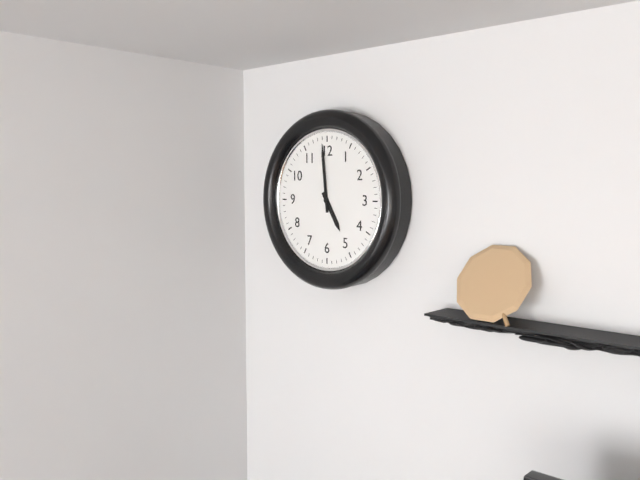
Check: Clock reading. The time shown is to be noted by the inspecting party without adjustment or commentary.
4:59
